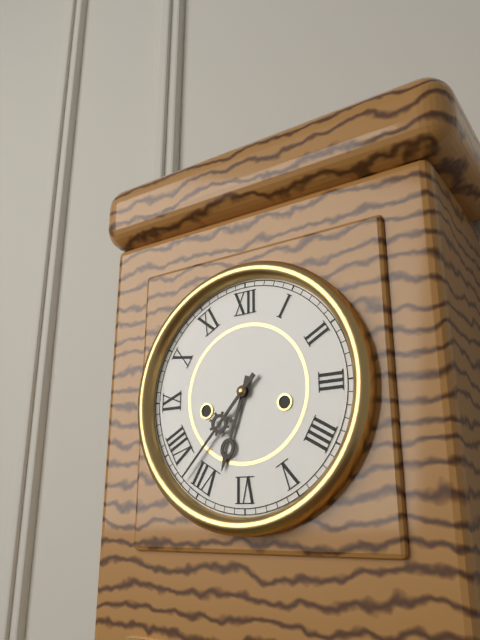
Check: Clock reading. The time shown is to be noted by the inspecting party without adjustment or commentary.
6:37
